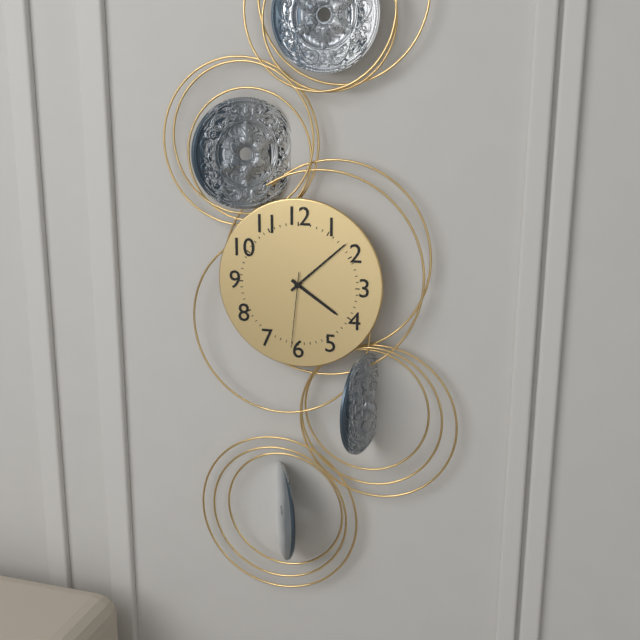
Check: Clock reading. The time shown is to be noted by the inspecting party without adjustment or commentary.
4:08:31
